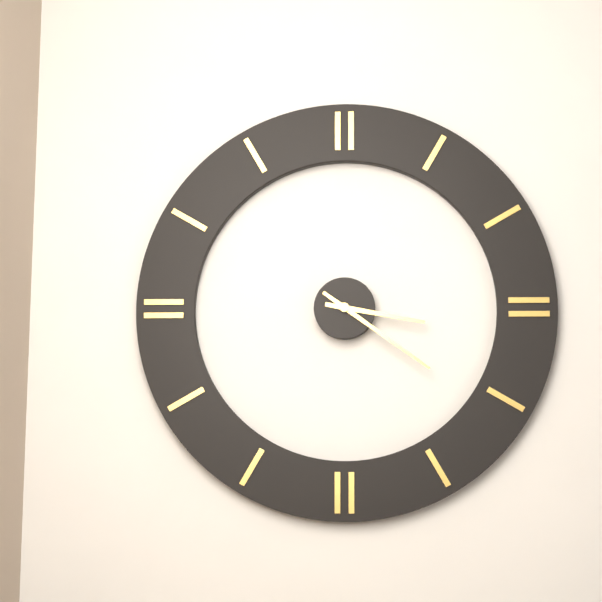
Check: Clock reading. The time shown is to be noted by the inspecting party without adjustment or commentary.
3:21
